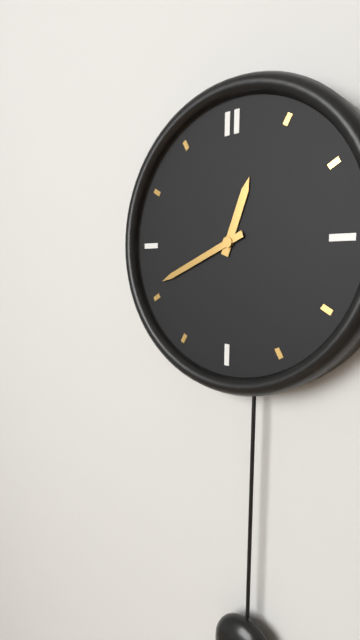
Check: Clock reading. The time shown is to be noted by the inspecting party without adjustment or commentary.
12:41
